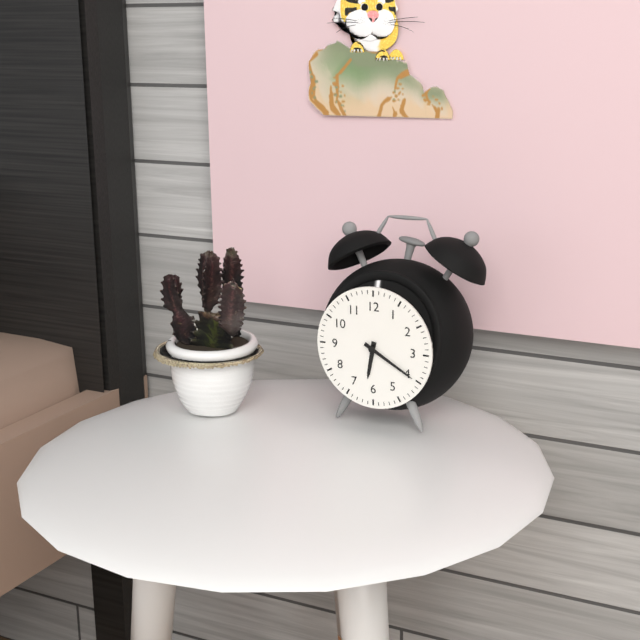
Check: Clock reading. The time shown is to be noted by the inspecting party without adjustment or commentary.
6:20
